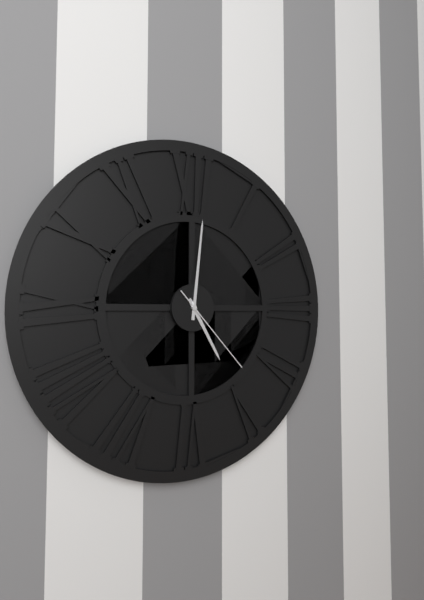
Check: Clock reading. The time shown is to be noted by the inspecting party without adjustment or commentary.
5:01:23
